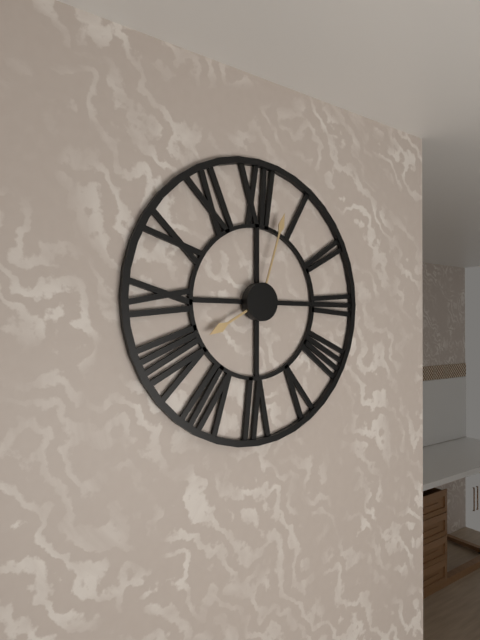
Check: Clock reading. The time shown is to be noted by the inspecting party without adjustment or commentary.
8:03
